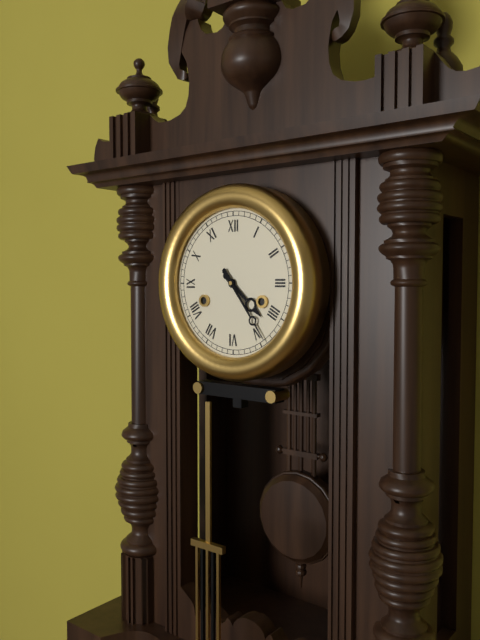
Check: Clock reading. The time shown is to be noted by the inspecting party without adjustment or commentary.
4:24
